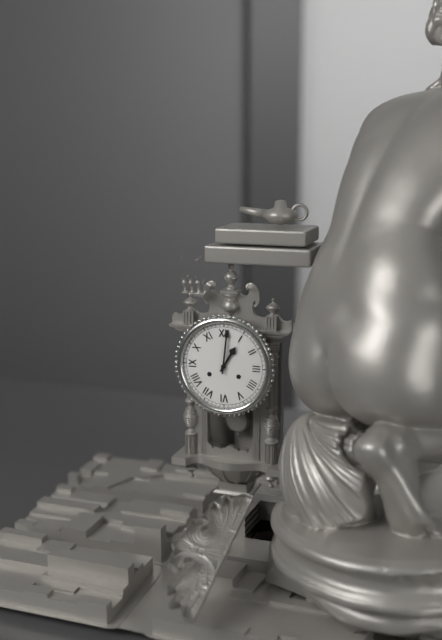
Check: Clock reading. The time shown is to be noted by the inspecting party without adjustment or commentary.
1:01
